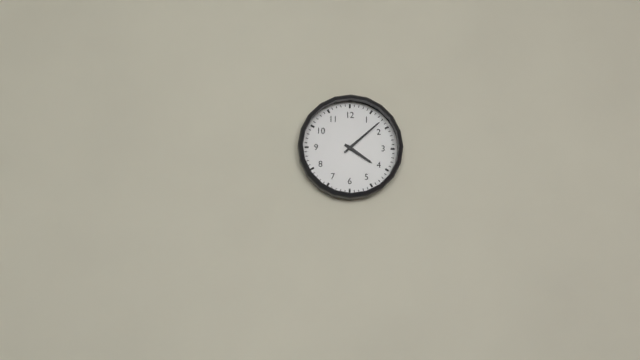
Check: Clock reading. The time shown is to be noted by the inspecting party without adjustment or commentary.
4:08
